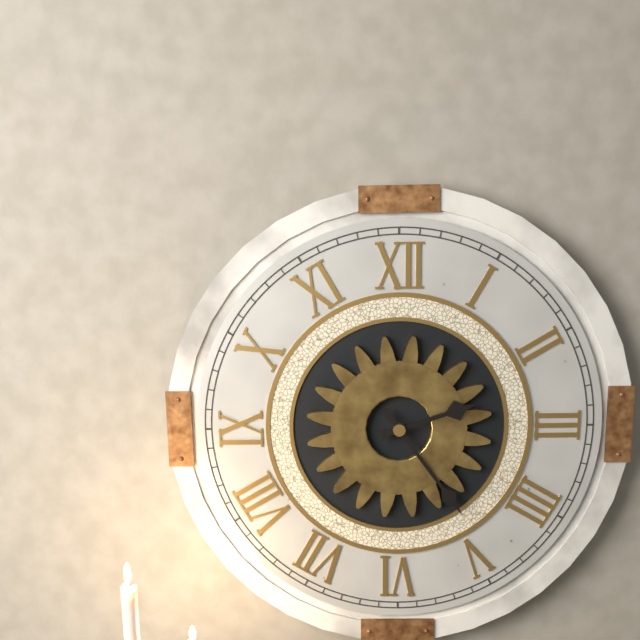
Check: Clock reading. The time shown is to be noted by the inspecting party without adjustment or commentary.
2:24
